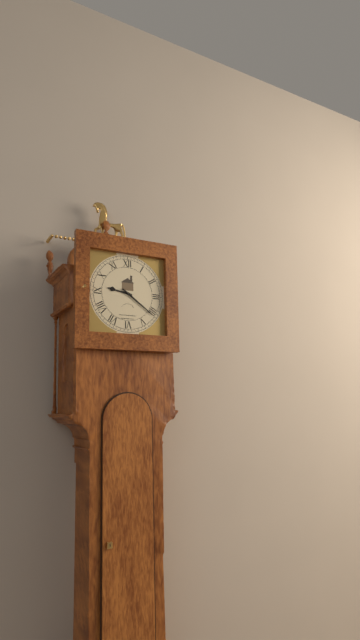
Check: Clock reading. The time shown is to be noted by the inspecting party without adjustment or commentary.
9:21
